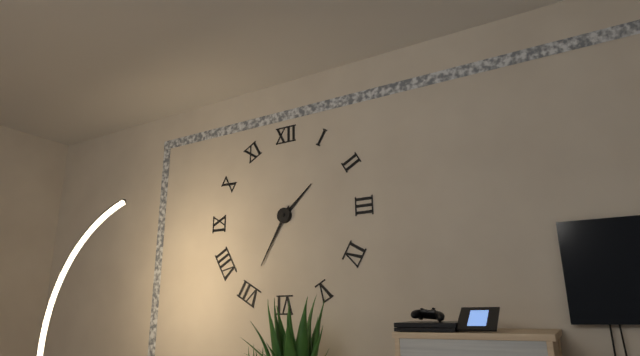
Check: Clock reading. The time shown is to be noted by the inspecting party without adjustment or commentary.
1:35
